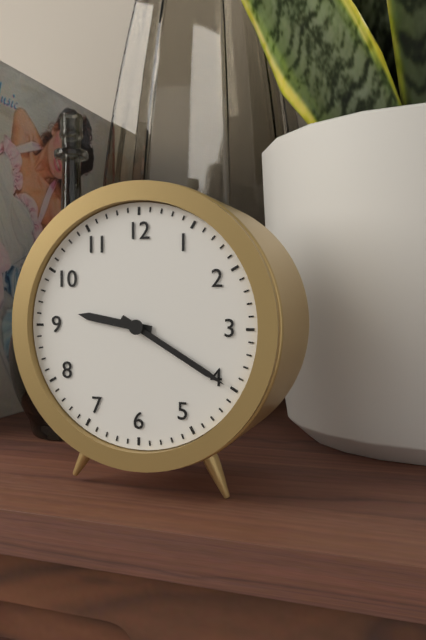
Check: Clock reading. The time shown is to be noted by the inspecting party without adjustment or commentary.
9:20
